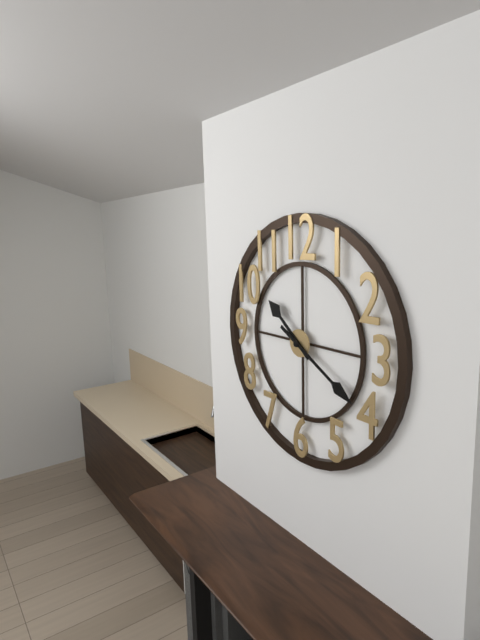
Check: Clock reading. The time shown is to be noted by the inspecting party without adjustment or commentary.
10:20
